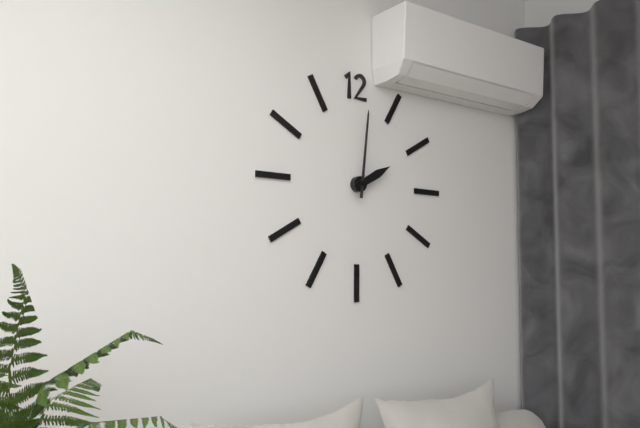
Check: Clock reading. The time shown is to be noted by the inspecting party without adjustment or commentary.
2:01
